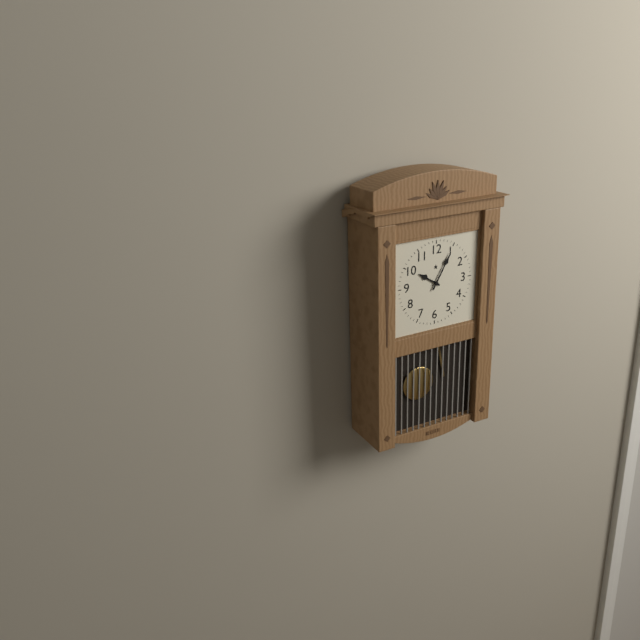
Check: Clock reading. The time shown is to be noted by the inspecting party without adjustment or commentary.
10:05
